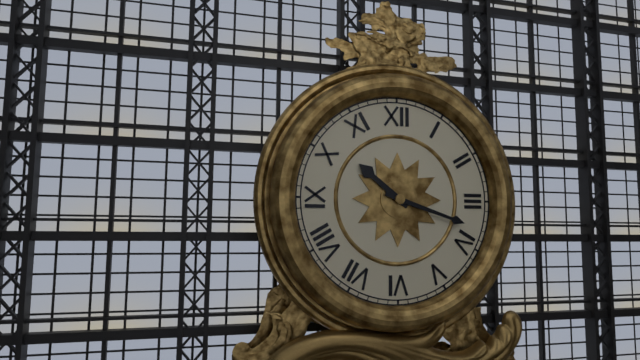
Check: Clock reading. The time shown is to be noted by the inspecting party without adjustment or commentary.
10:18
